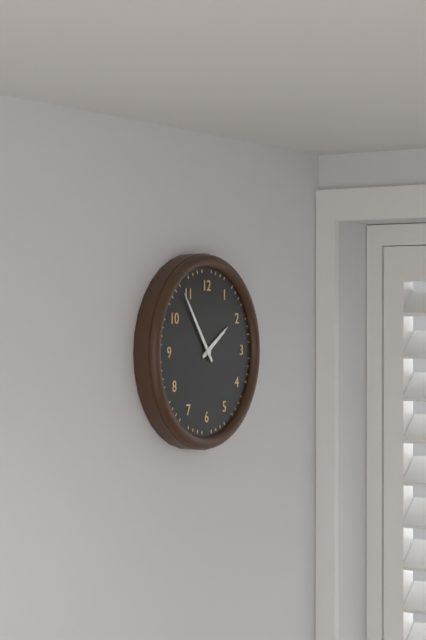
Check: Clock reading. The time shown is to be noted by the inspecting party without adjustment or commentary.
1:54
